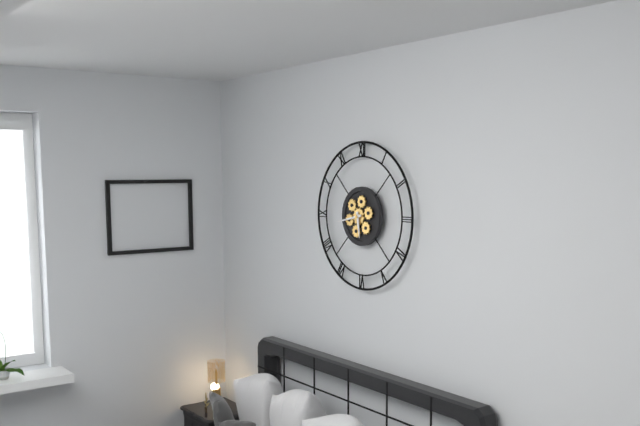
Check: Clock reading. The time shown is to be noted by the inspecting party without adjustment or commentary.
5:43
